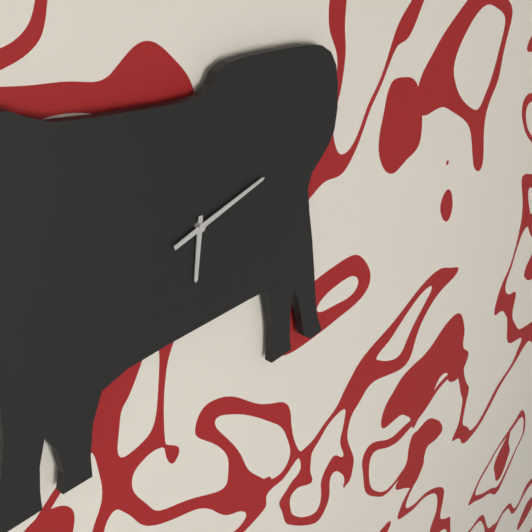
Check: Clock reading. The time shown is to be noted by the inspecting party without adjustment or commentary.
6:12
